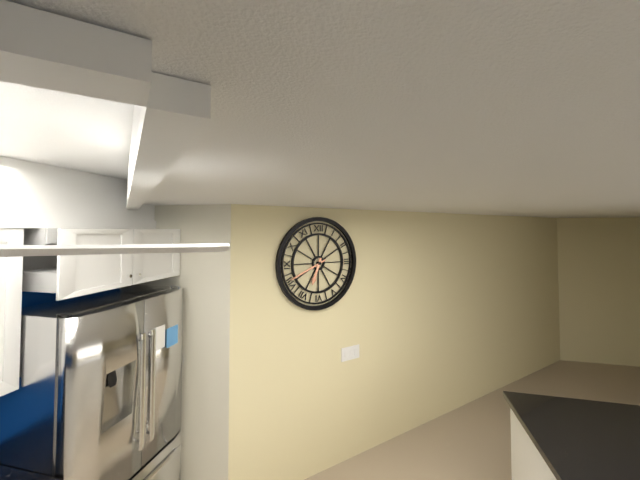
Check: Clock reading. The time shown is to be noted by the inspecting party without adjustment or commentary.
6:41
